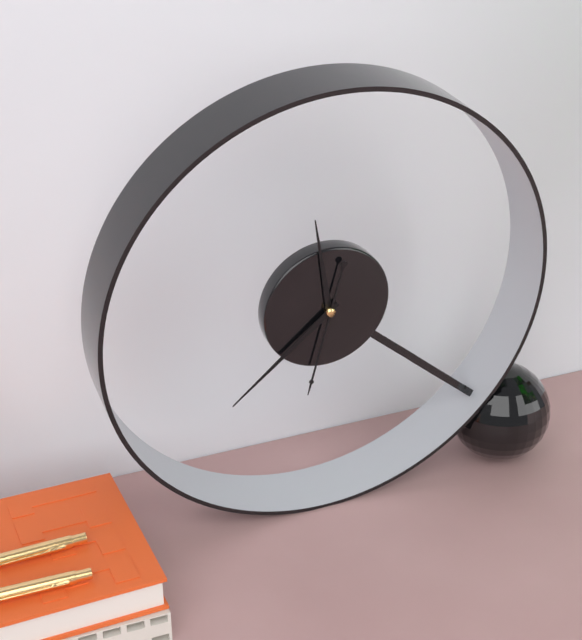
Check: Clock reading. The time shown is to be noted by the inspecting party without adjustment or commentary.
11:38:32
